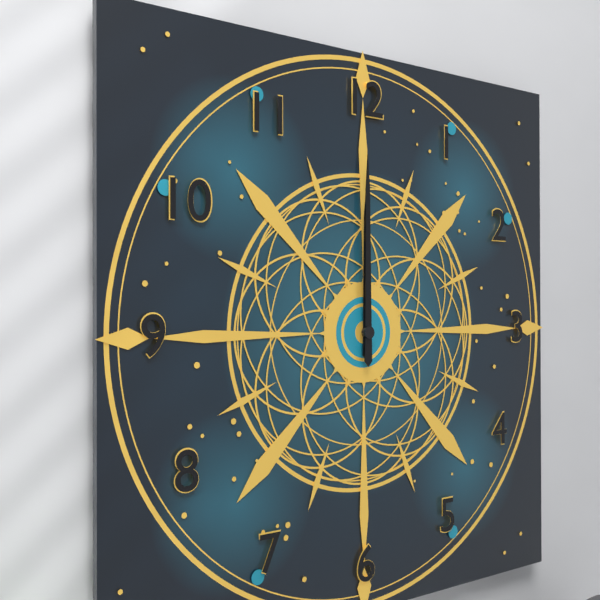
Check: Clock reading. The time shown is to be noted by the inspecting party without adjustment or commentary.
12:00
